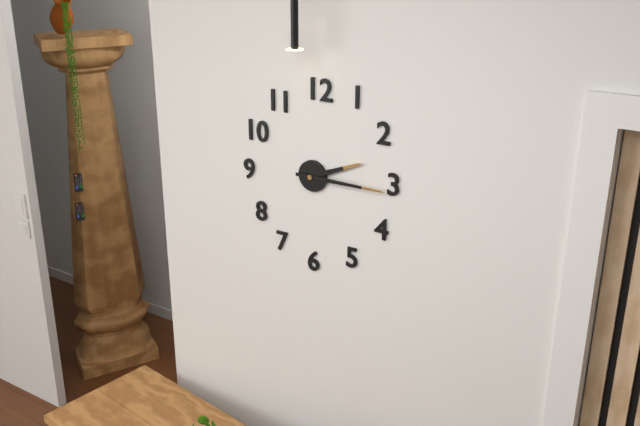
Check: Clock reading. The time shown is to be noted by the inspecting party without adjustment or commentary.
2:15
